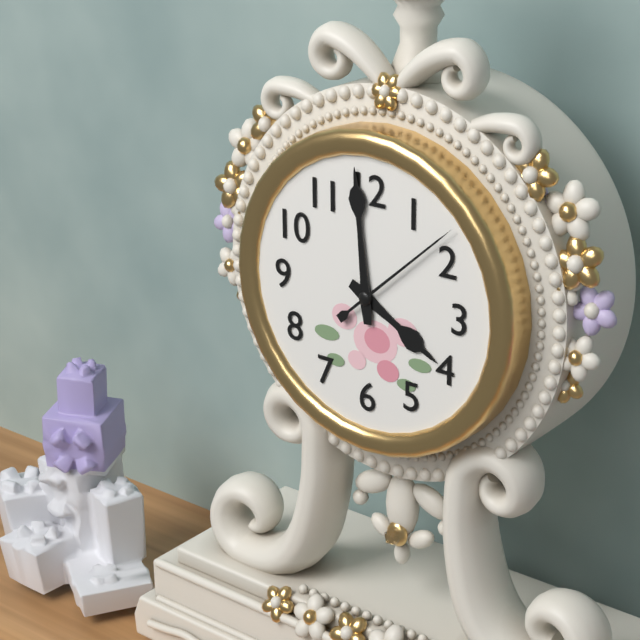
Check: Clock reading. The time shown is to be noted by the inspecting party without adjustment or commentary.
3:59:08
